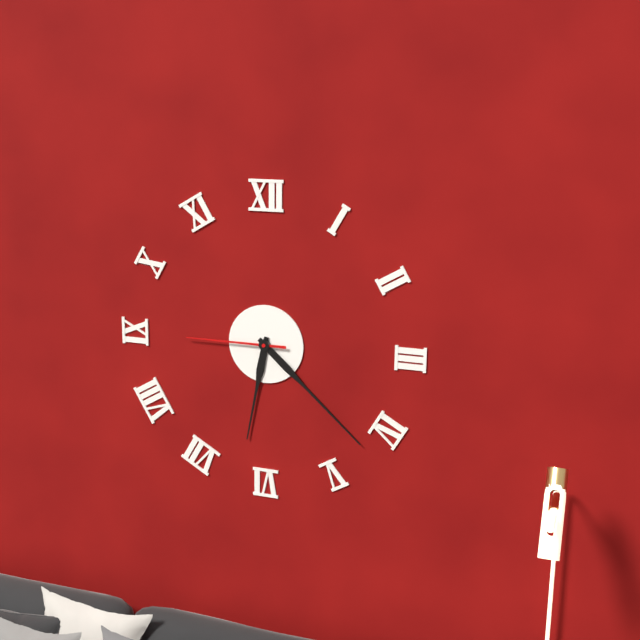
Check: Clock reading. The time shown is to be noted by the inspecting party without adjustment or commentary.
6:22:45
